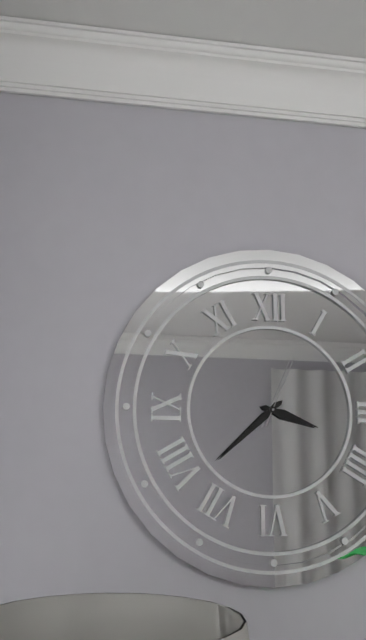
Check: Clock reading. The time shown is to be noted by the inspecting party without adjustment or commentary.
3:38:04
